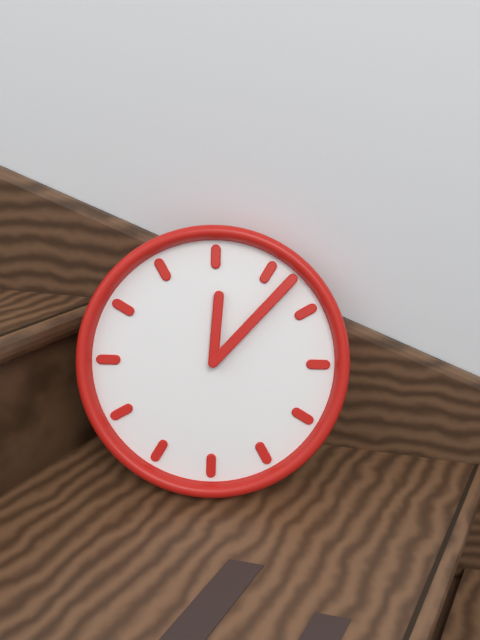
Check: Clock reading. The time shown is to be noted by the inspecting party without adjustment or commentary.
12:07
